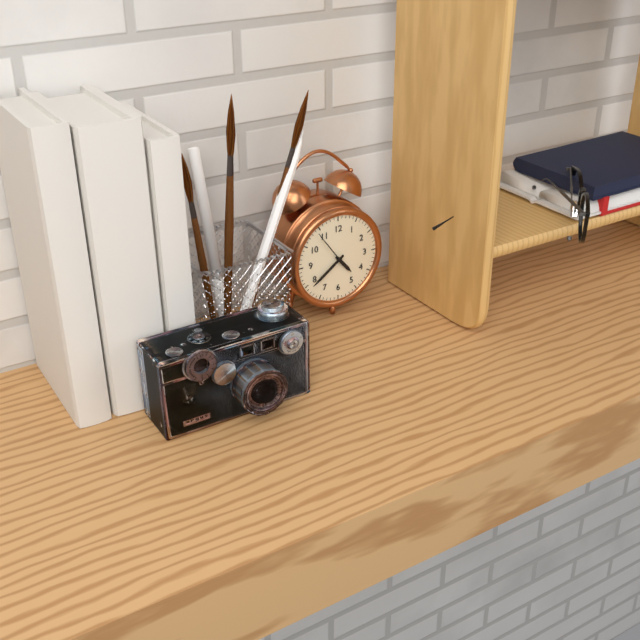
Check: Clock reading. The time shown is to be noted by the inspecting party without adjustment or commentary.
4:39
